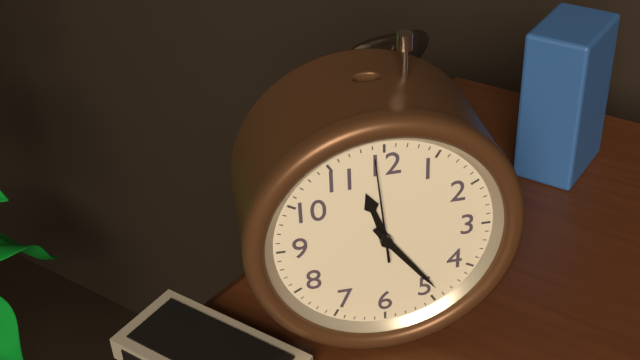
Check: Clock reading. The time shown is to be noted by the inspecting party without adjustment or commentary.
11:24:59
